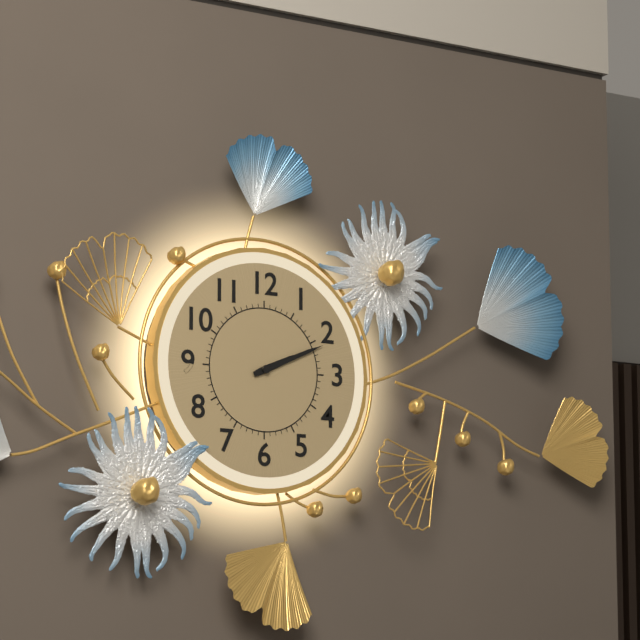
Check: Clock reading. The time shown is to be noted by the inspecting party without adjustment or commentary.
2:11
